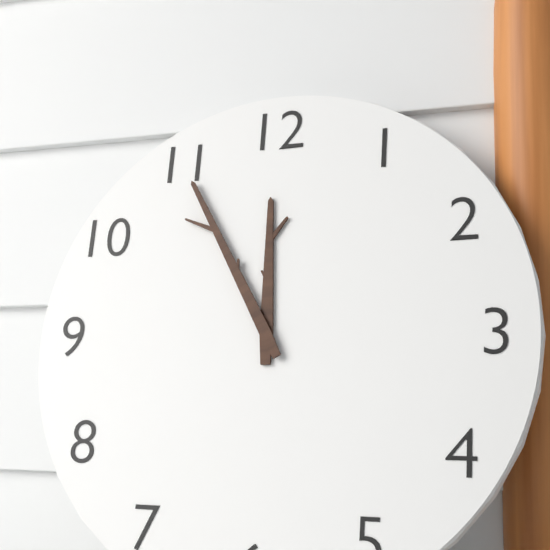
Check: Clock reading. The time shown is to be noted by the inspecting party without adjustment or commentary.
11:55
